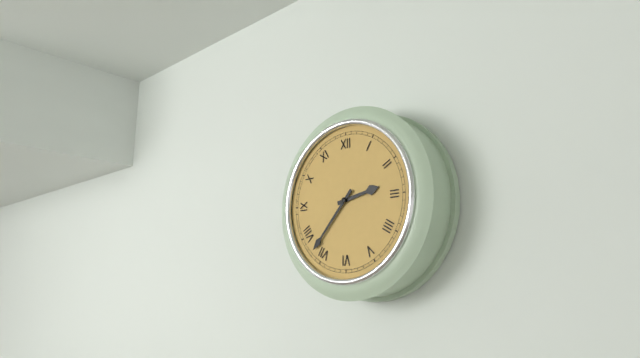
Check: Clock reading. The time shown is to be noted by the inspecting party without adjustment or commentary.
2:37
